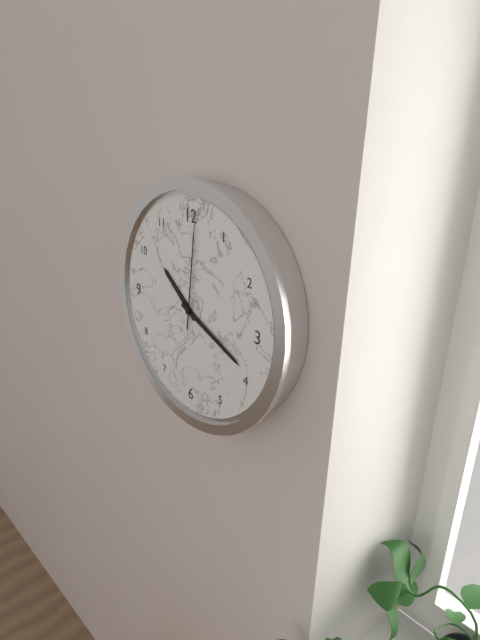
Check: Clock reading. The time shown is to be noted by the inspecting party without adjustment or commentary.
10:19:01
